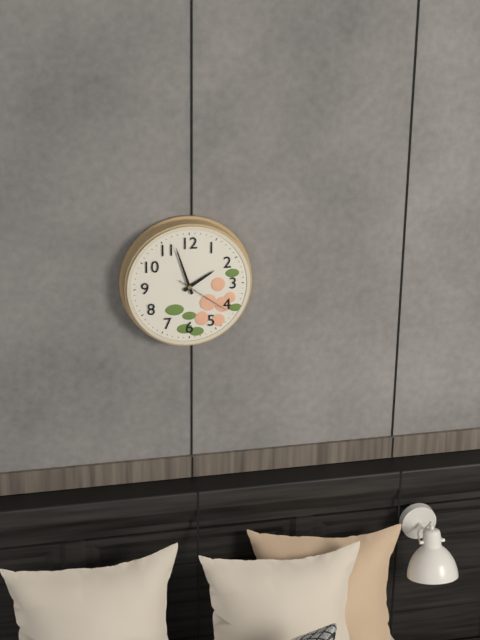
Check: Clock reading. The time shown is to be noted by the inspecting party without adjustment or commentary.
1:57:21
